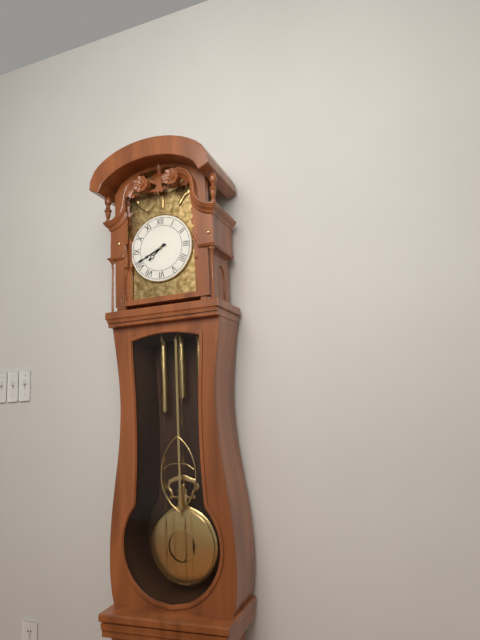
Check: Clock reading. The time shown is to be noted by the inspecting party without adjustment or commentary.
7:41
